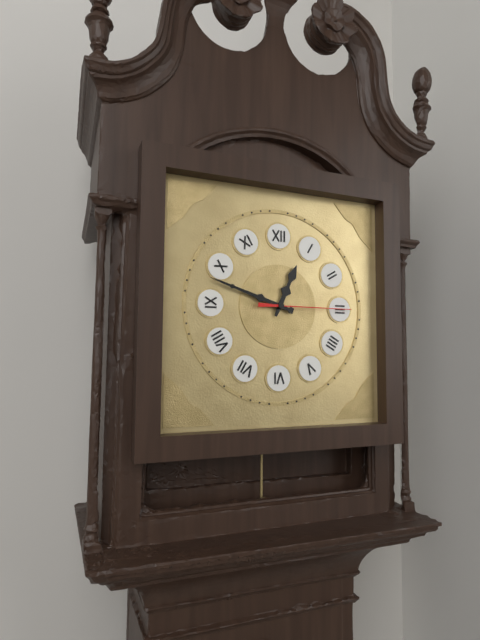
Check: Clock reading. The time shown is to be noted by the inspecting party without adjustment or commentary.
12:48:15
